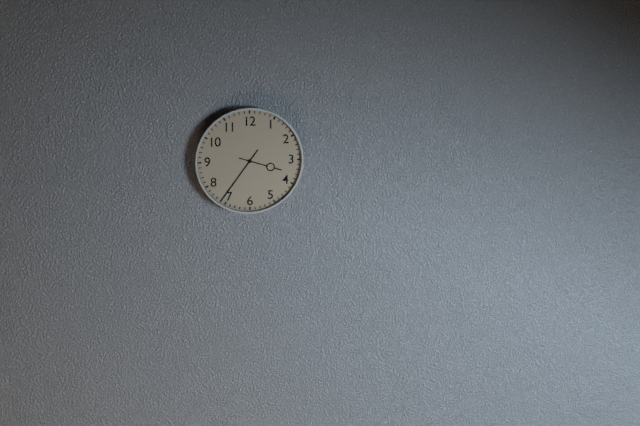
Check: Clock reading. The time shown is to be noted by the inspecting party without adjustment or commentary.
3:36
